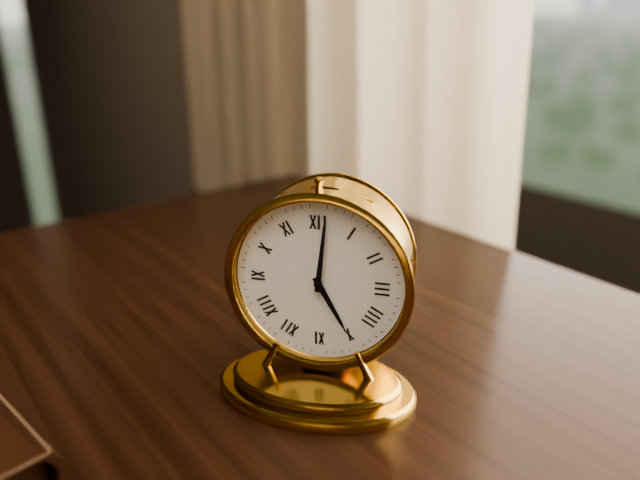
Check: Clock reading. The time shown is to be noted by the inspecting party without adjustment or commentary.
5:01
